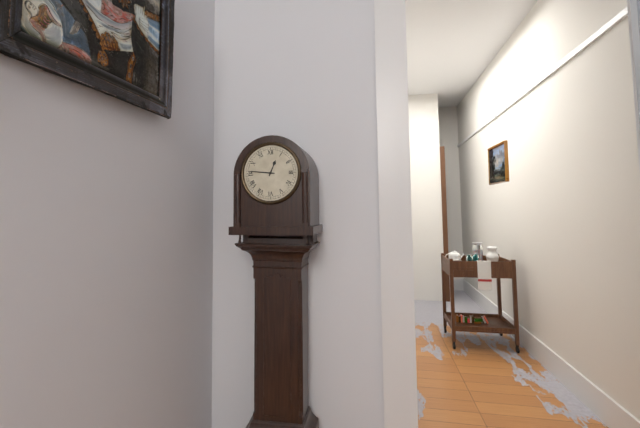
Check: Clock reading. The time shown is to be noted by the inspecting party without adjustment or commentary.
12:46
